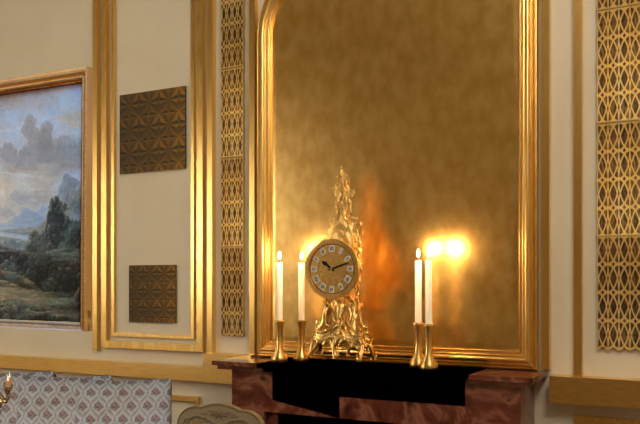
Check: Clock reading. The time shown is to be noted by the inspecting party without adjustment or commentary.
10:12
